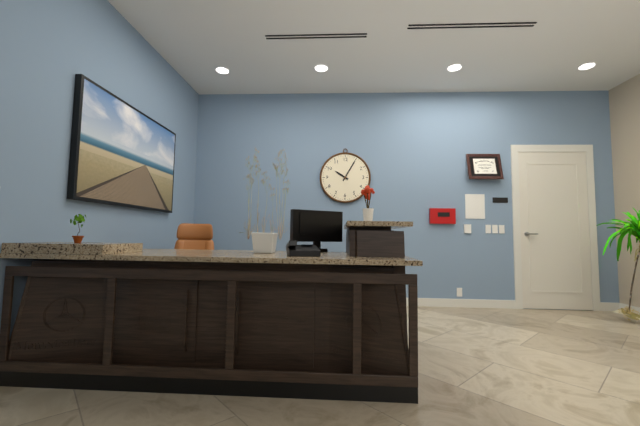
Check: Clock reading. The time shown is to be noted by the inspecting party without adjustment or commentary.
10:05
